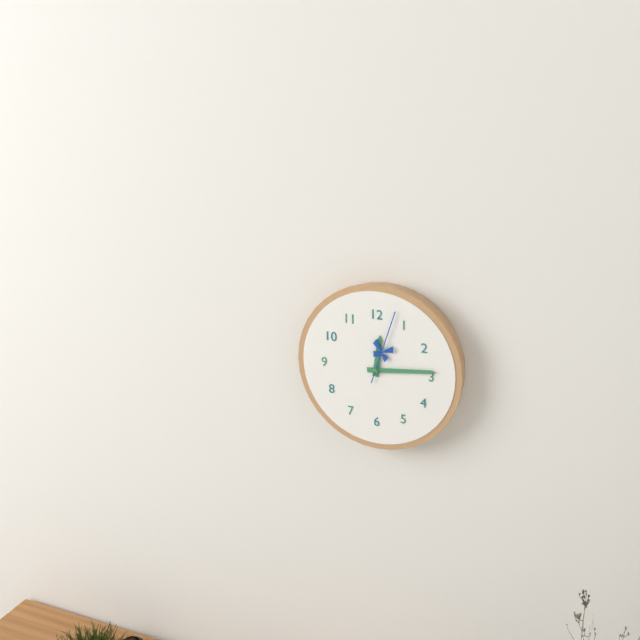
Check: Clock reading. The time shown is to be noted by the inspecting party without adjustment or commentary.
12:14:03
